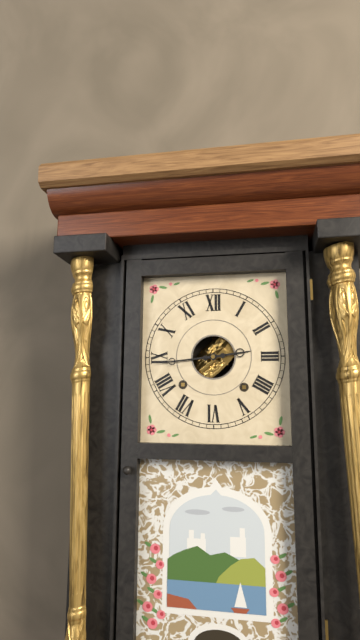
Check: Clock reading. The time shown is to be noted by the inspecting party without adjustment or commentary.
2:44
